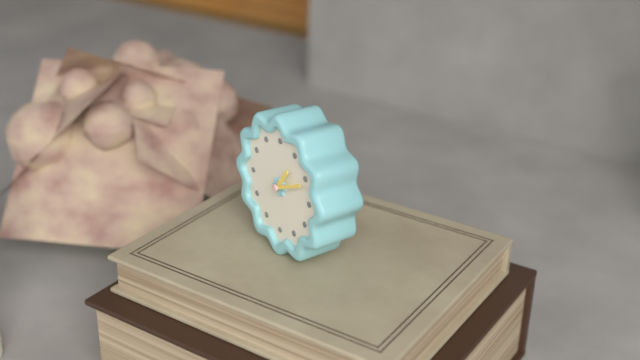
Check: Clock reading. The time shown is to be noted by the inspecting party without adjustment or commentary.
1:11
